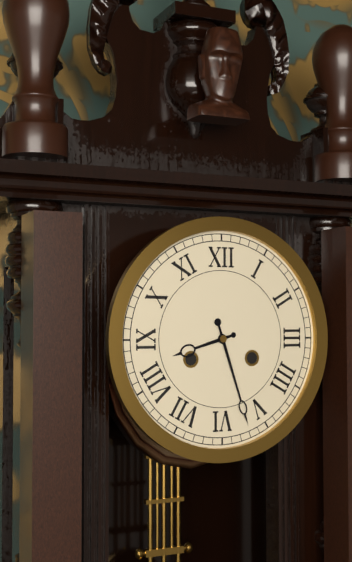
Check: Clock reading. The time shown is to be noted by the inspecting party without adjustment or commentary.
8:27
